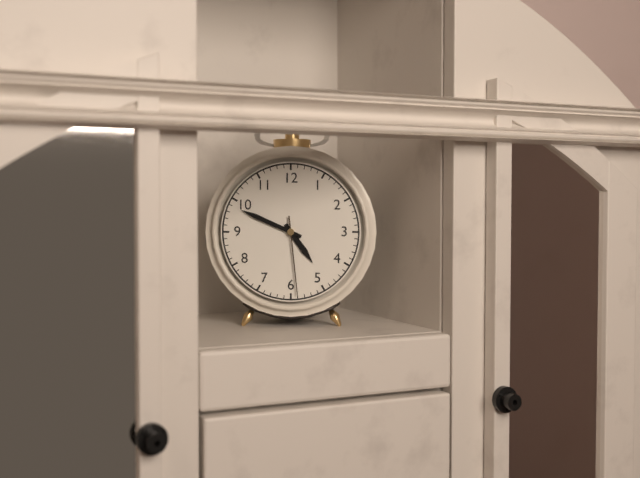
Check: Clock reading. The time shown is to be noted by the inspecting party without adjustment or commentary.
4:49:29
